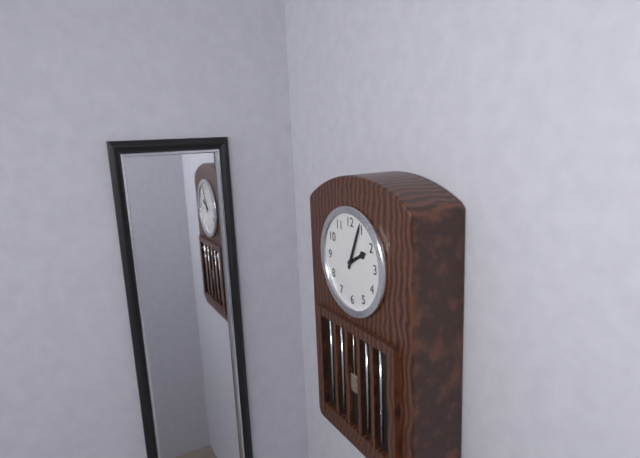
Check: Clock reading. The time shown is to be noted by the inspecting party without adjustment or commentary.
2:04
